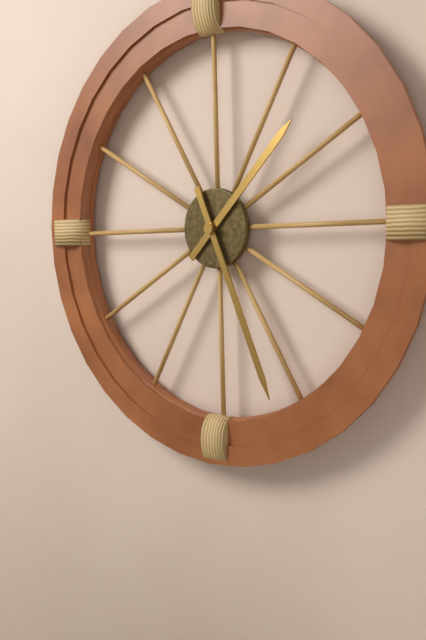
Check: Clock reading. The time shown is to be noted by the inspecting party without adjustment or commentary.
1:26
